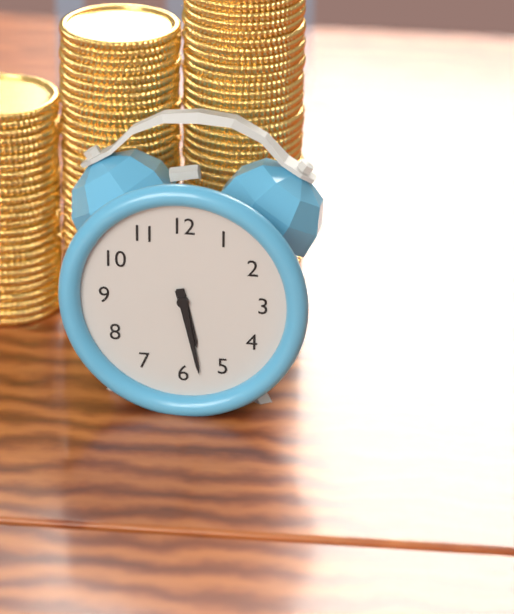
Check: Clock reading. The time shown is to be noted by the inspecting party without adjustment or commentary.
5:28
